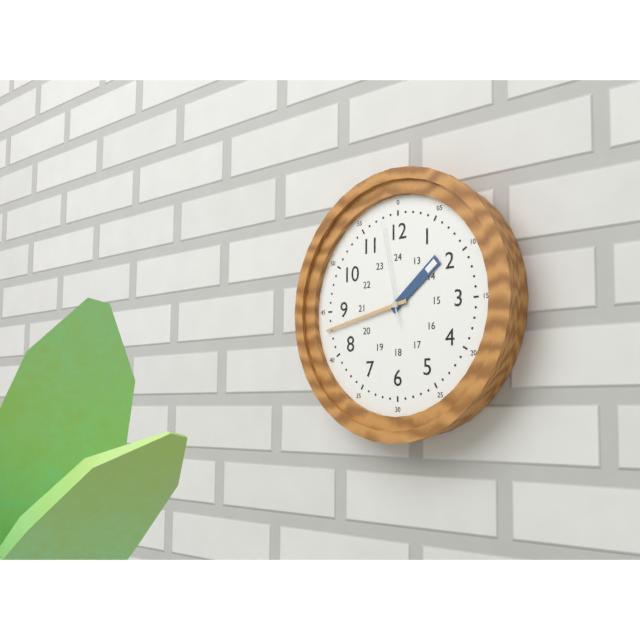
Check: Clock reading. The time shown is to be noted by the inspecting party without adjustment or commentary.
1:43:58
